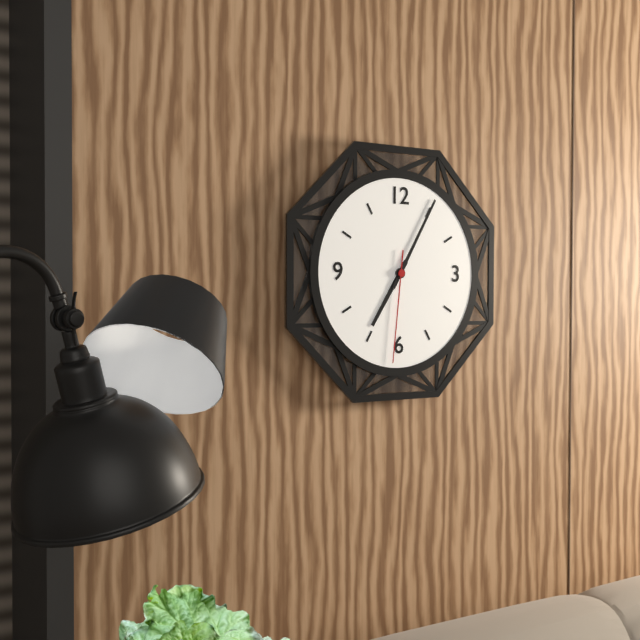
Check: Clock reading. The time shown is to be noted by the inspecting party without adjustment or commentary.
7:05:31
